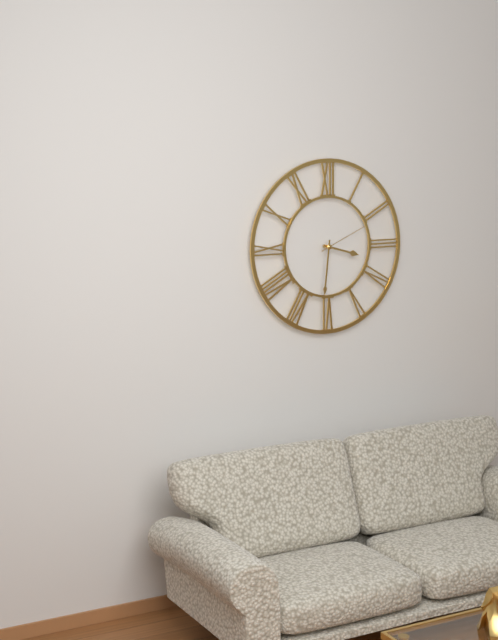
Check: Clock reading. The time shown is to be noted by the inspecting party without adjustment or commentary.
3:31:11
